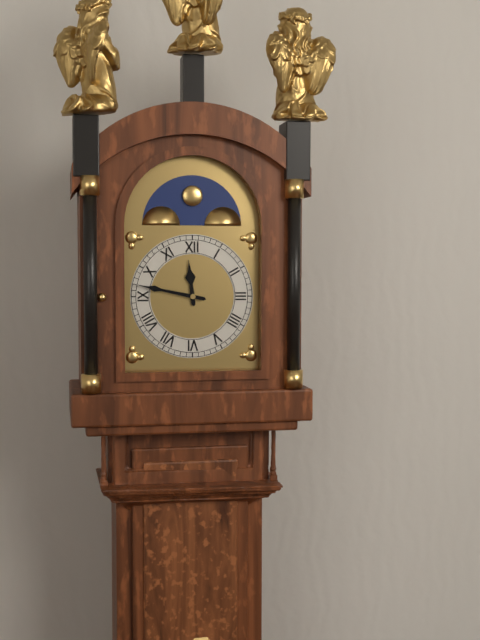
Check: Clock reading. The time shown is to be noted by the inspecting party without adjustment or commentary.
11:47
